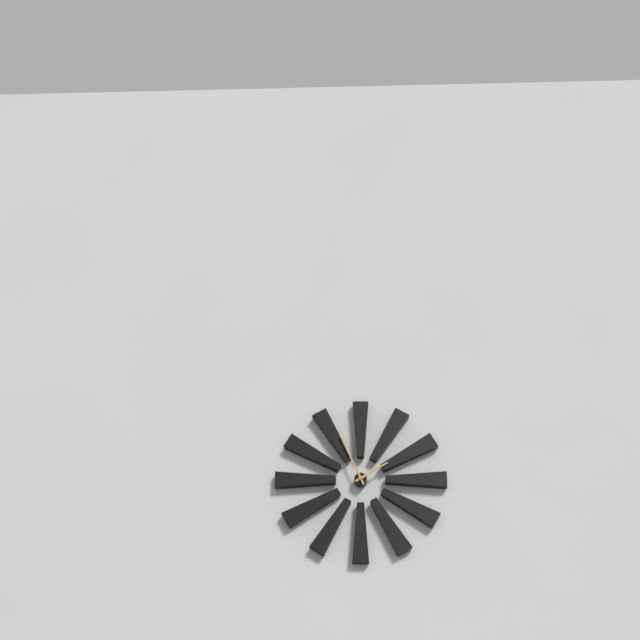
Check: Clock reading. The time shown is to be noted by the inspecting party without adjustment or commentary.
1:56
